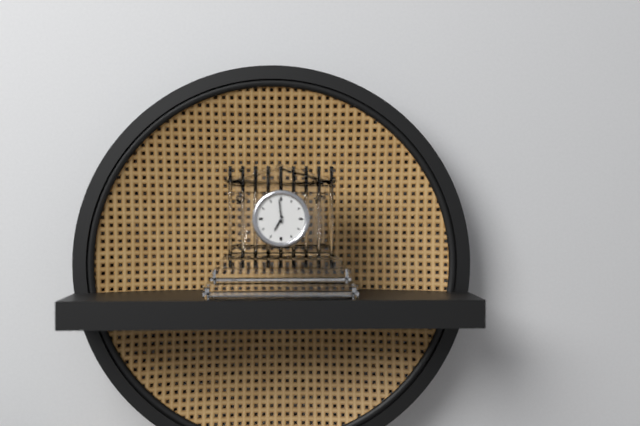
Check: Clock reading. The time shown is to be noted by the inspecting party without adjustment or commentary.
6:59
